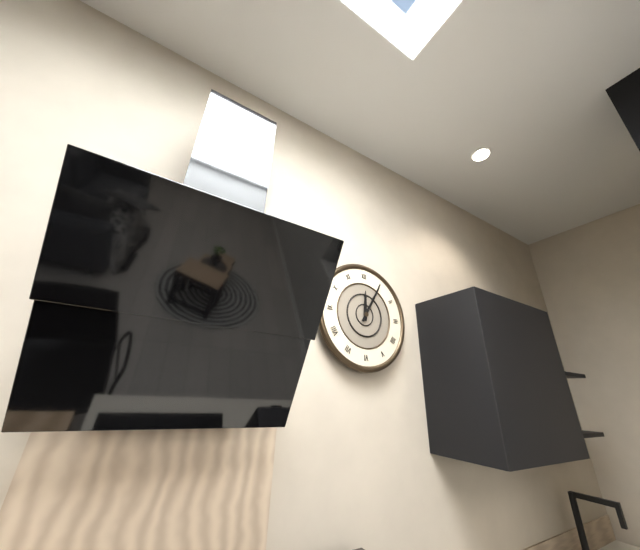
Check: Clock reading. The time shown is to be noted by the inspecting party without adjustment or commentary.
12:05
